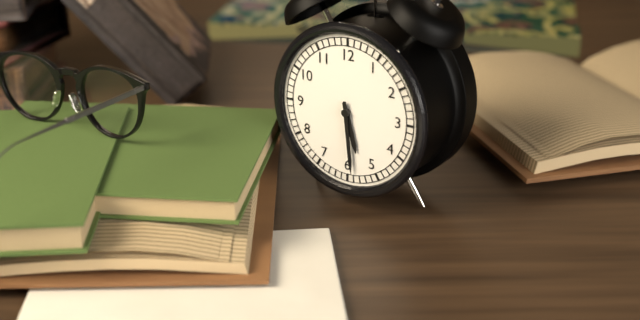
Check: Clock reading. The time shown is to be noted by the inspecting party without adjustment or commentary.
5:29
